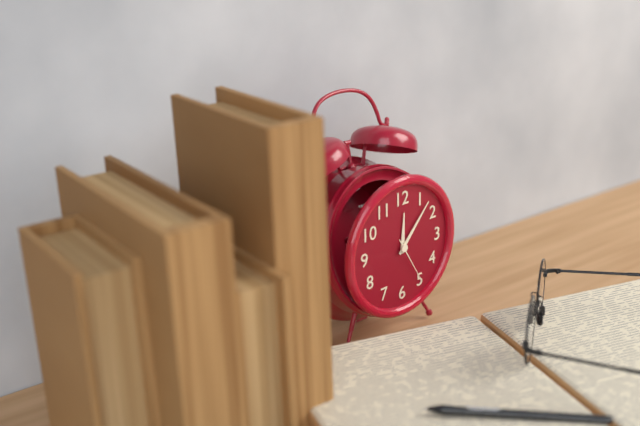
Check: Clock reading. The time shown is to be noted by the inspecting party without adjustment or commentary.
12:07
